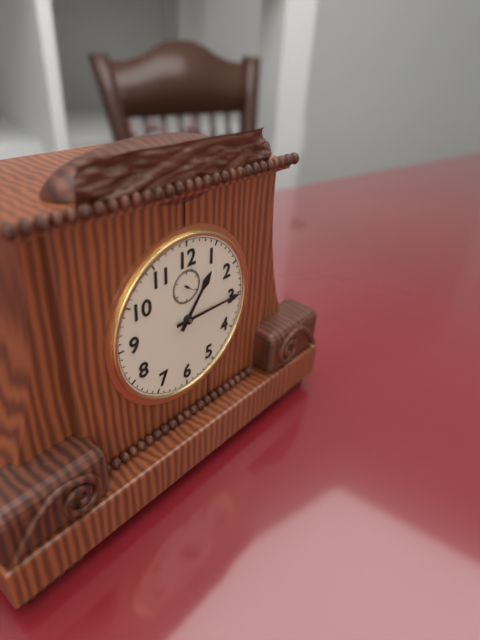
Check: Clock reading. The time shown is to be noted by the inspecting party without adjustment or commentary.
1:15
